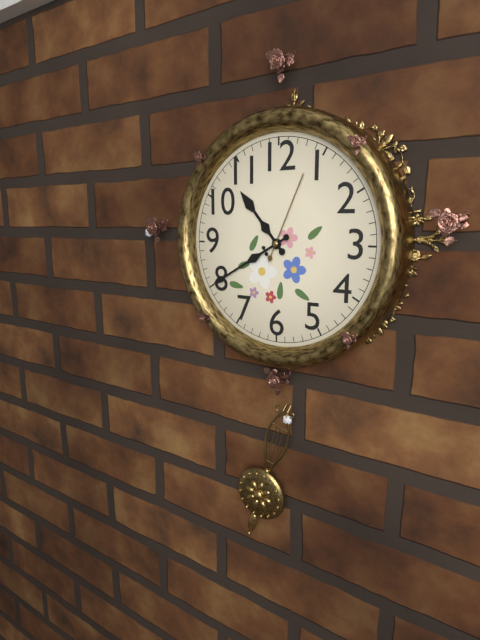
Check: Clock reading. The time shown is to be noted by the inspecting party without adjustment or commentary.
10:40:04
